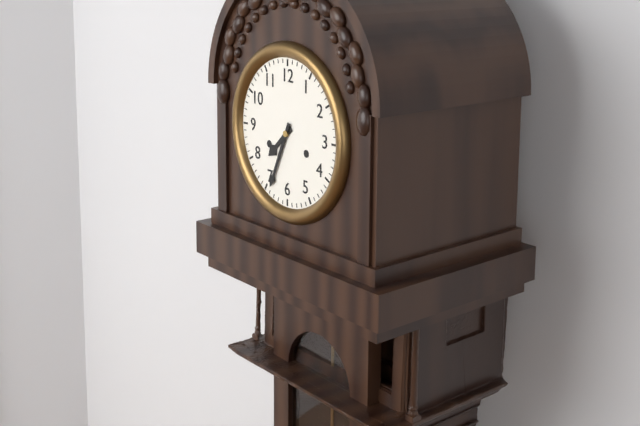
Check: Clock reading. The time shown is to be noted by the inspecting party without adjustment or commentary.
7:34
